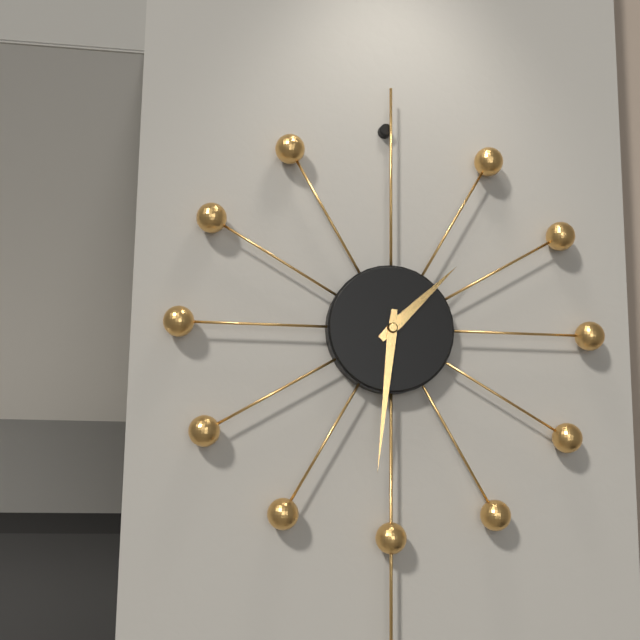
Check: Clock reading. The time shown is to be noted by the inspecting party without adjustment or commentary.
1:31
